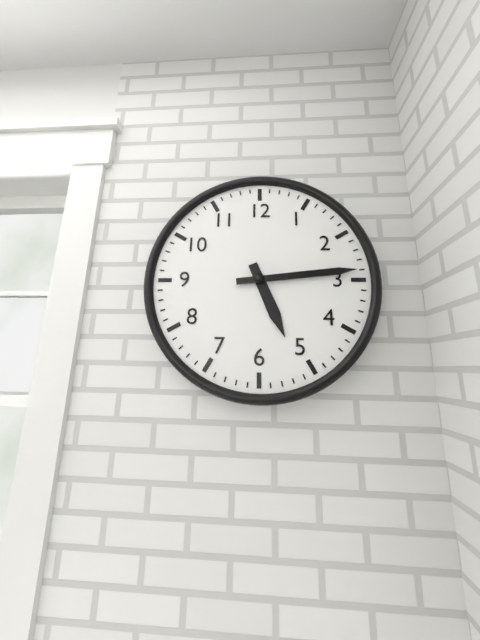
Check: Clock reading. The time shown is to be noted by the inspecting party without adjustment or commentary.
5:14
